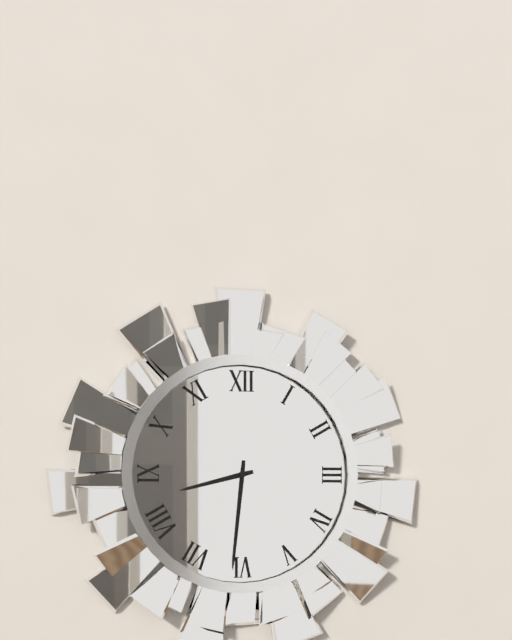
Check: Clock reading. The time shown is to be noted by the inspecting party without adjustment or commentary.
8:31
